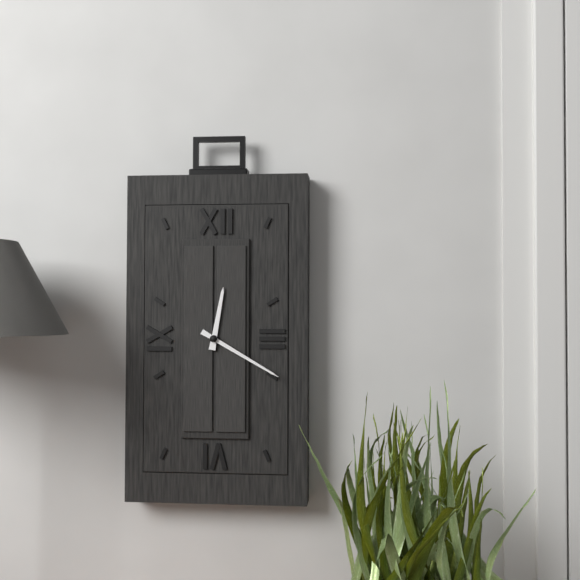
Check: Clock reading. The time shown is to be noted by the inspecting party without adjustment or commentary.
12:20
